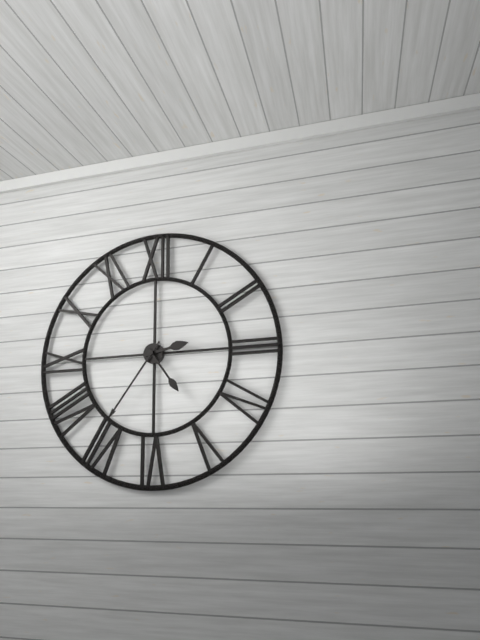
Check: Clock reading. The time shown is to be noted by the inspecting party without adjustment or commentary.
2:36:24
